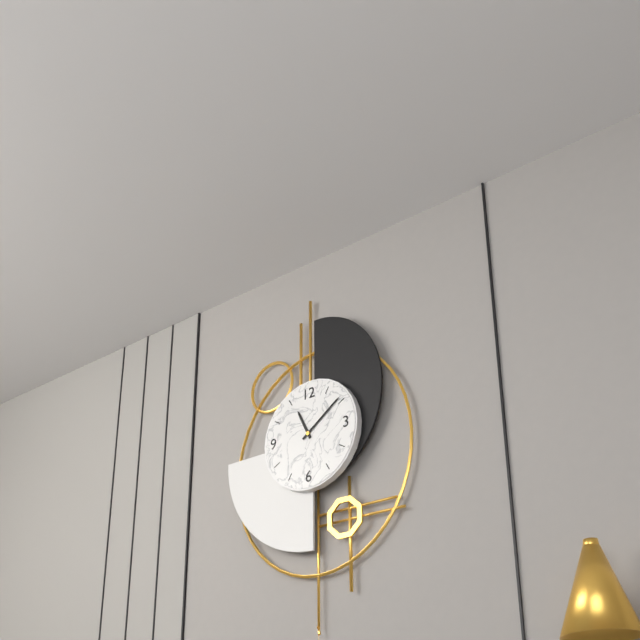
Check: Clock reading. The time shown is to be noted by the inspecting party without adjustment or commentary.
11:09
